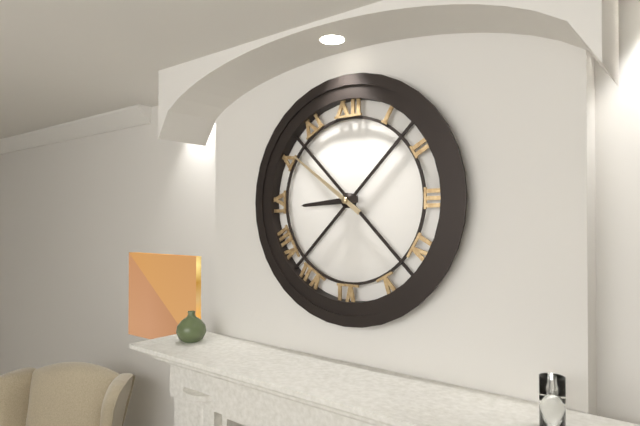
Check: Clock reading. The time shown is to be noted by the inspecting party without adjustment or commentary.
8:51
